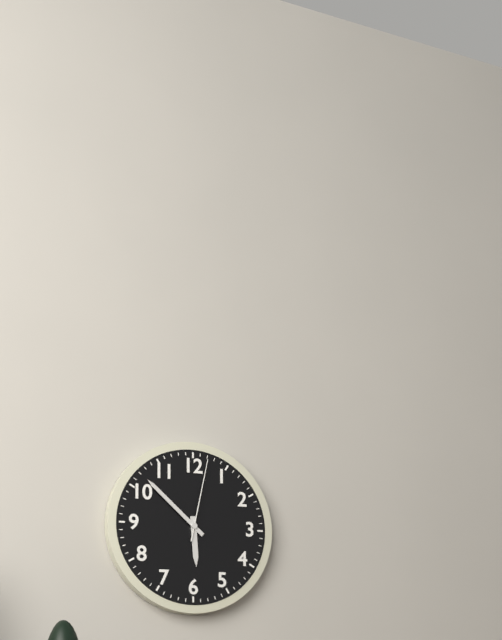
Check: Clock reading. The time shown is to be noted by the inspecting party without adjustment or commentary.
5:52:02
